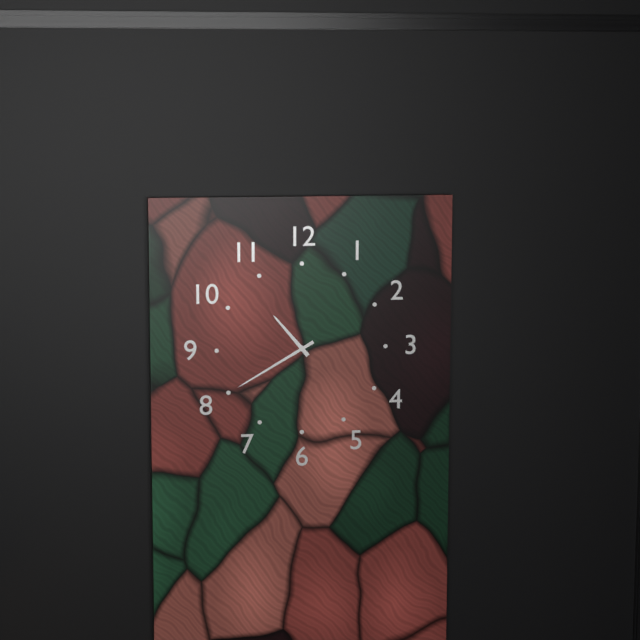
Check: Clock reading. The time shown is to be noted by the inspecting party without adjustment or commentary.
10:40
